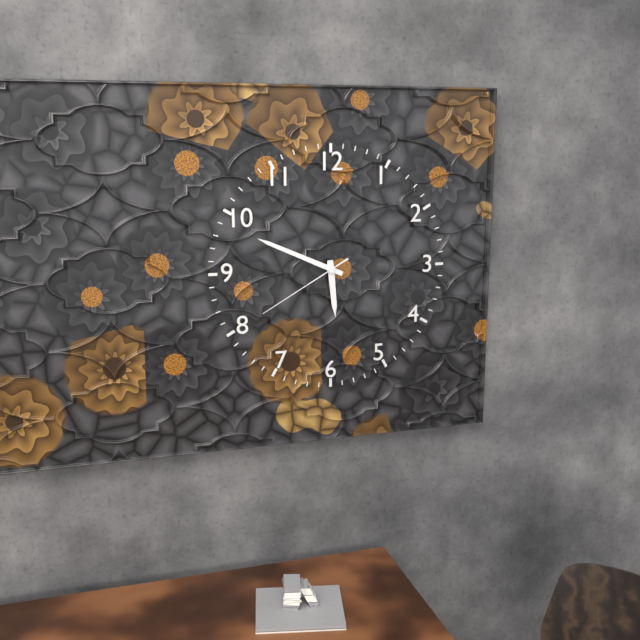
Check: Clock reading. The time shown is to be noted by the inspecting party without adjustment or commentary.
5:49:40
